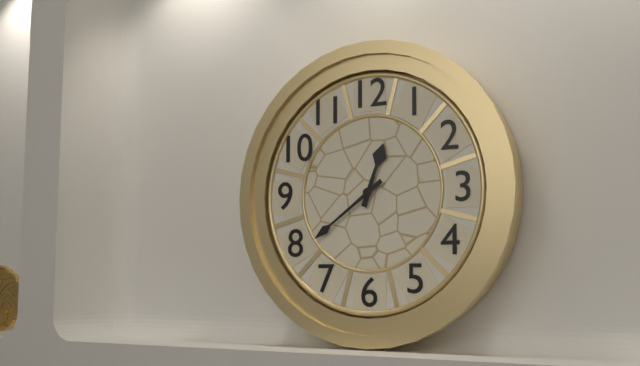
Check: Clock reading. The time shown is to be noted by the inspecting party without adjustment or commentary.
12:39
